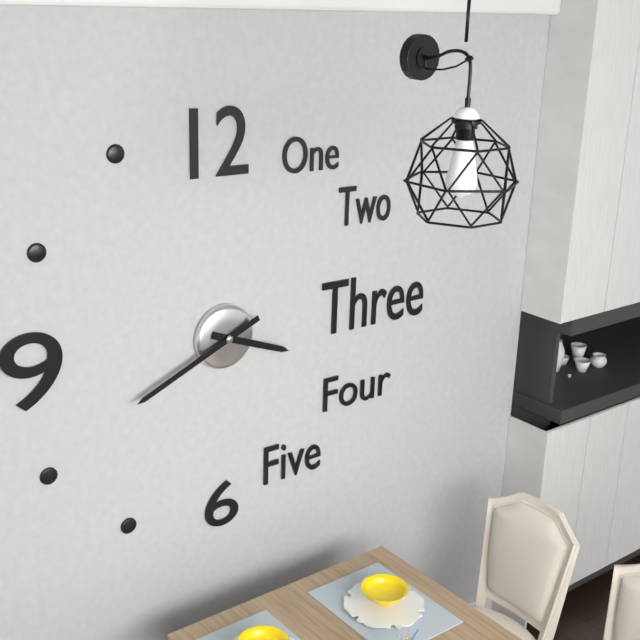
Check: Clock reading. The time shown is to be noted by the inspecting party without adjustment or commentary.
3:41
